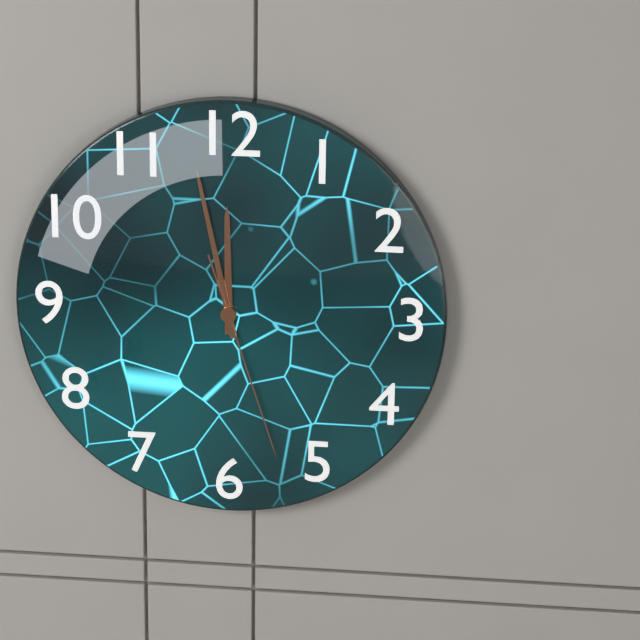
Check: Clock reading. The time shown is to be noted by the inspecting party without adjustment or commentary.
11:58:27
